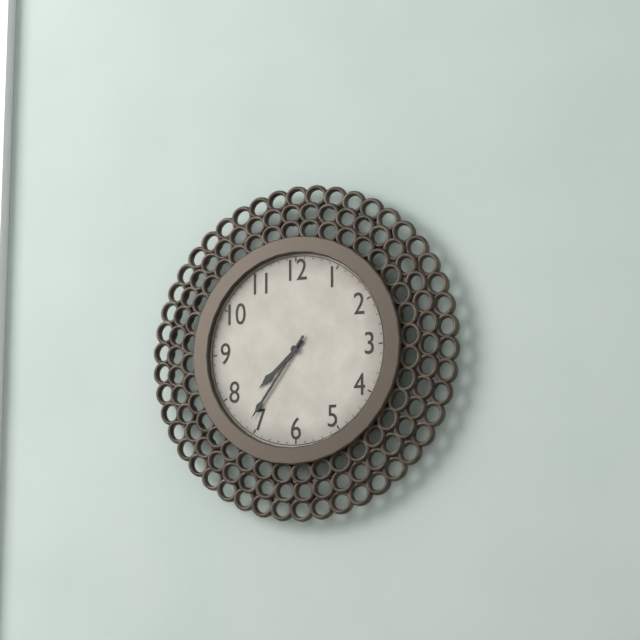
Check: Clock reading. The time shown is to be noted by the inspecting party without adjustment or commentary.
7:36
